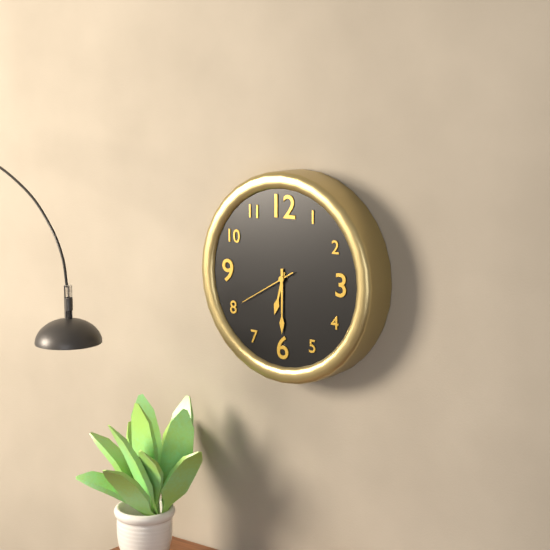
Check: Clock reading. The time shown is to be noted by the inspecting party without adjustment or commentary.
6:30:40
